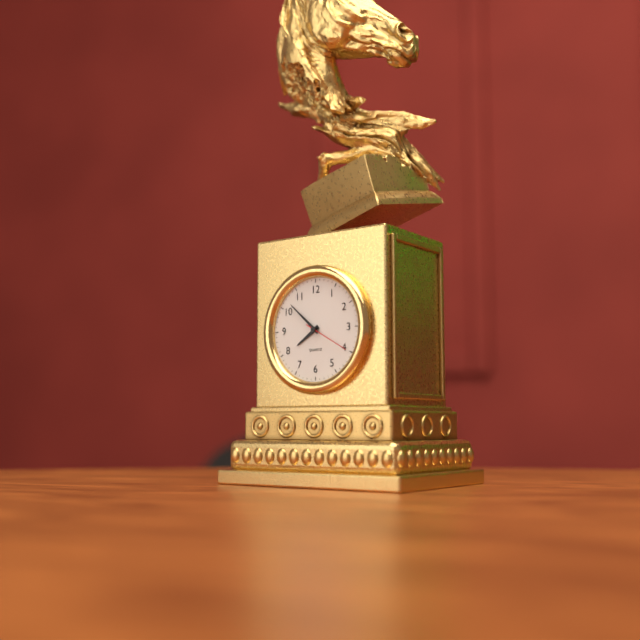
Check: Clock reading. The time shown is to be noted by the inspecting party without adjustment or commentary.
7:52
